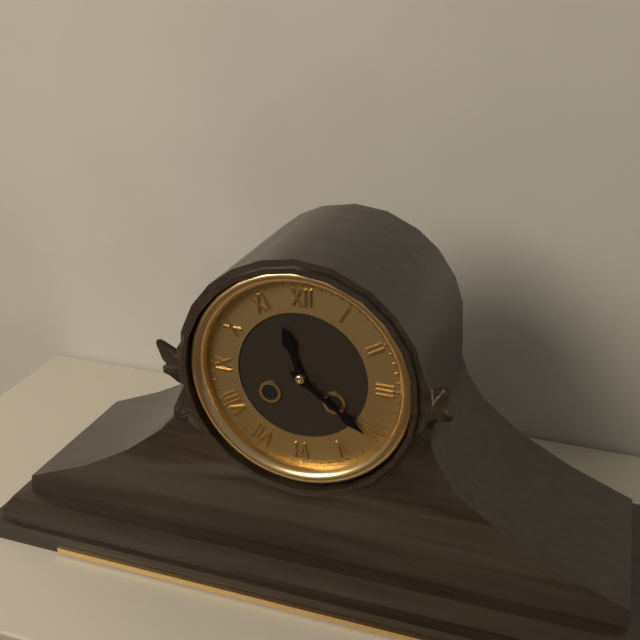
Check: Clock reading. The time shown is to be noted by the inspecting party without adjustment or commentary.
11:21
